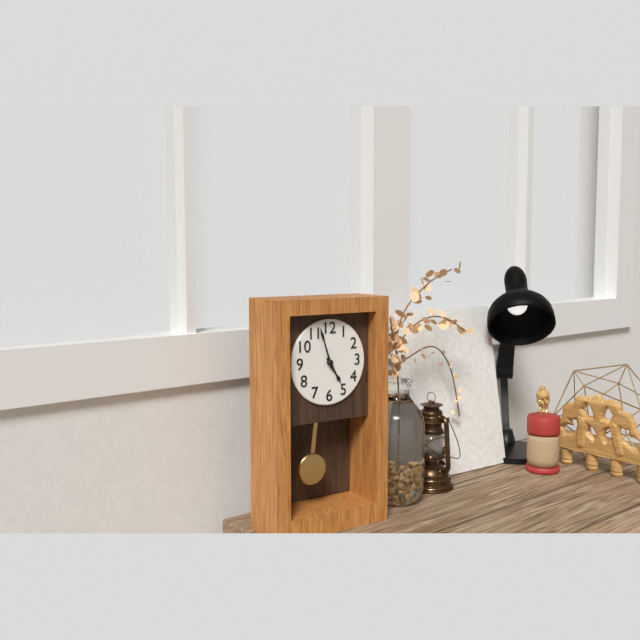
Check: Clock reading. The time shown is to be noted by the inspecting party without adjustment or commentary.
4:57
